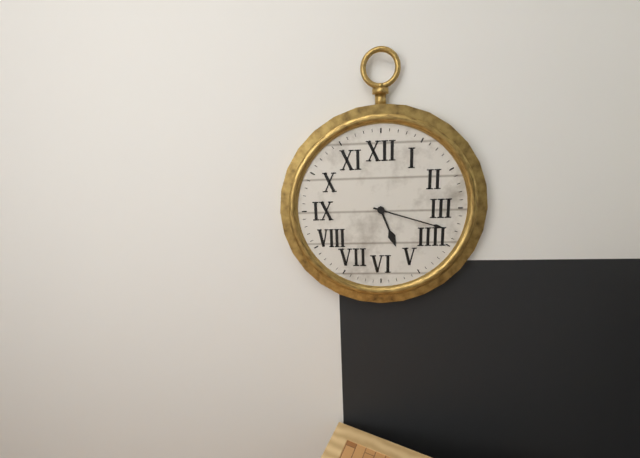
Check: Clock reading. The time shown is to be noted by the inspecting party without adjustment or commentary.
5:18
